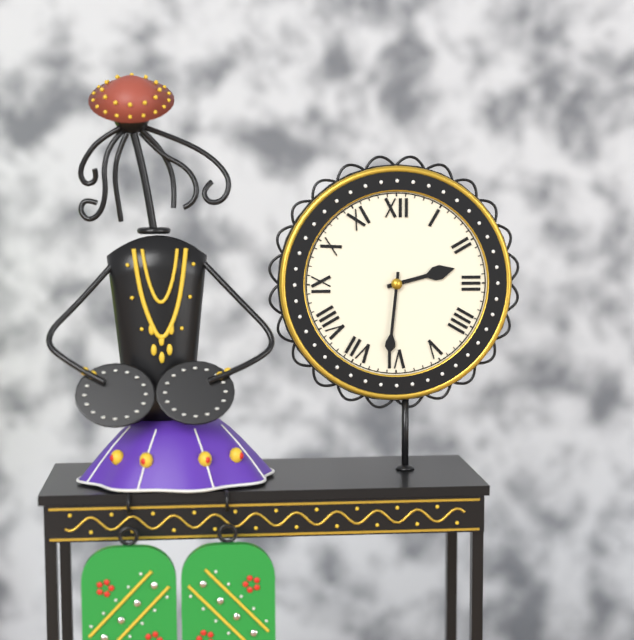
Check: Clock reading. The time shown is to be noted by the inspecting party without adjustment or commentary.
2:31
